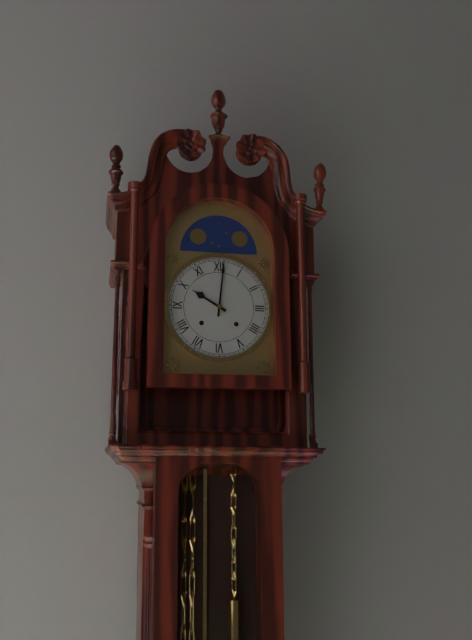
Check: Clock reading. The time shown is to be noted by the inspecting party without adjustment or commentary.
10:01
